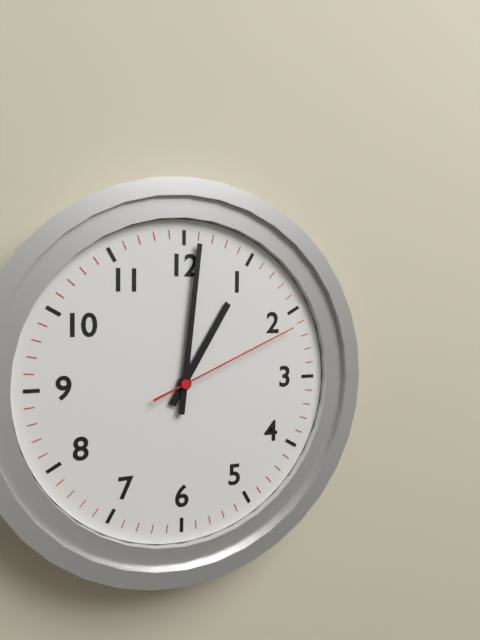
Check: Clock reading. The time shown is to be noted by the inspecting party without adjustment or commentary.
1:01:11
